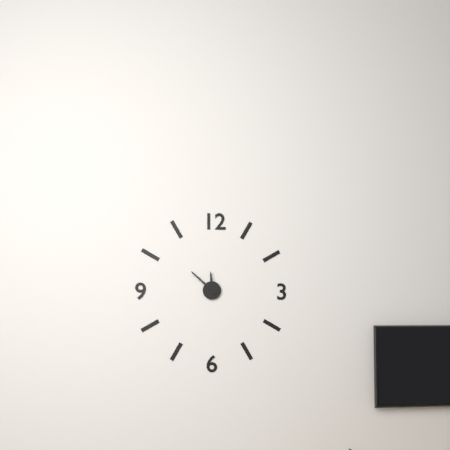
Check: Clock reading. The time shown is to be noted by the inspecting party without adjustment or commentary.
11:52
